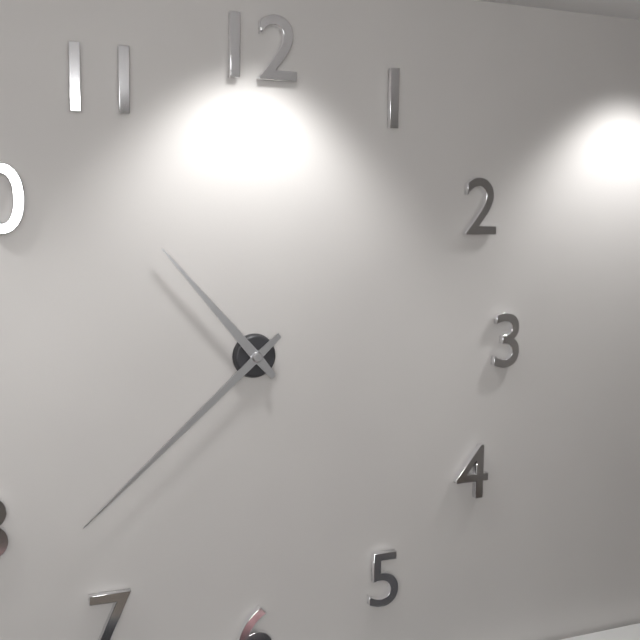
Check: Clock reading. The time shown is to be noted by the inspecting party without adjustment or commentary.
10:38
